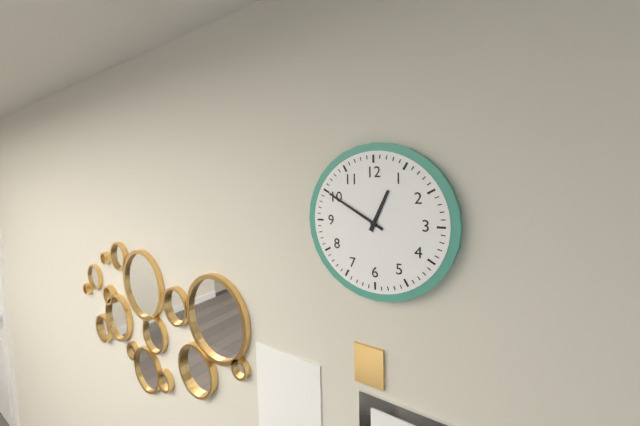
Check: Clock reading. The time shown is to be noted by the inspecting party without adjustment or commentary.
12:50
